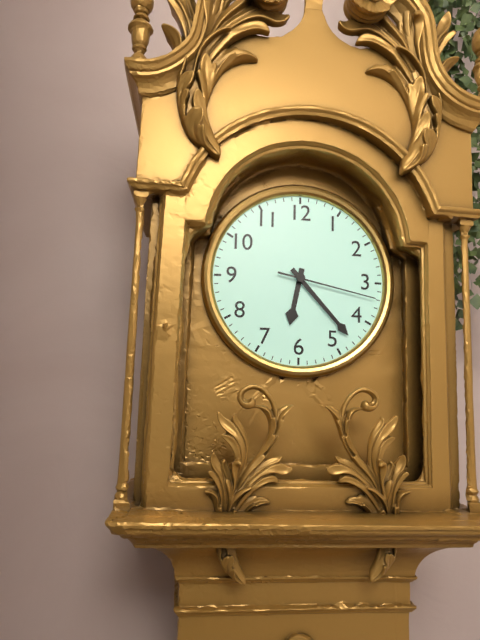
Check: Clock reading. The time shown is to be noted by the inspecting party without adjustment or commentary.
6:23:17
